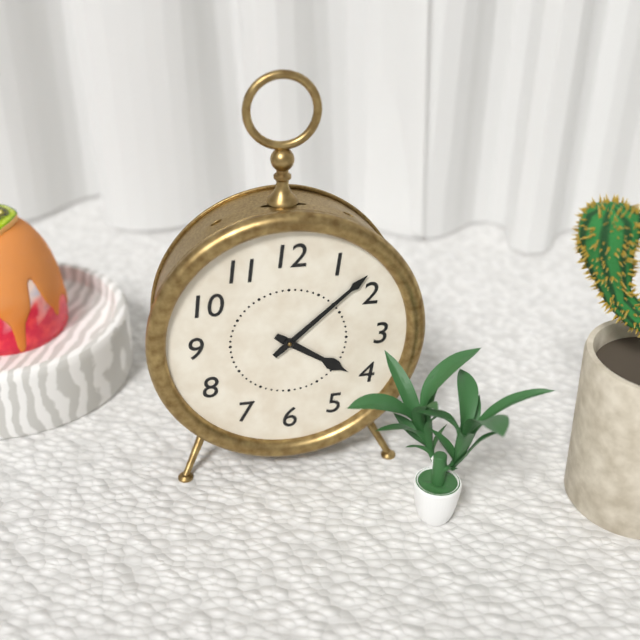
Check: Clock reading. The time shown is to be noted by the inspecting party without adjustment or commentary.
4:08
